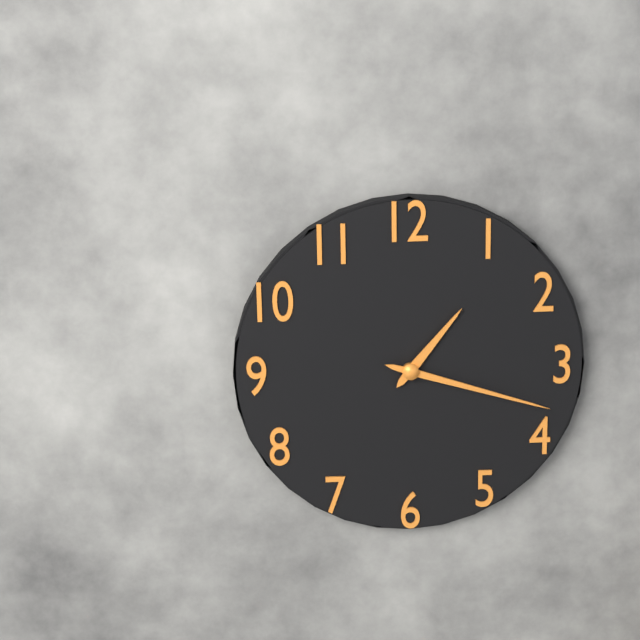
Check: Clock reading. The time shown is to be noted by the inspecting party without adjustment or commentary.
1:18
